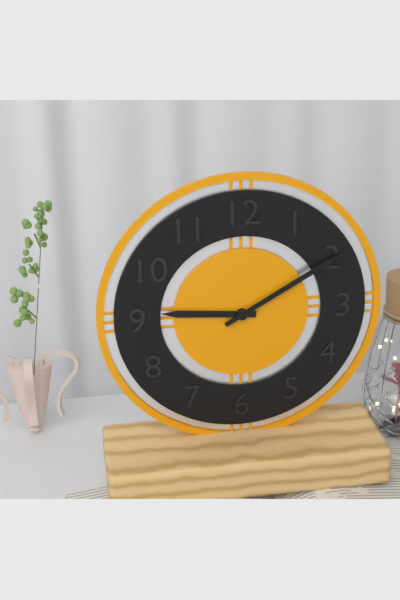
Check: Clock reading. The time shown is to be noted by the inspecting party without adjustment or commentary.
9:10
